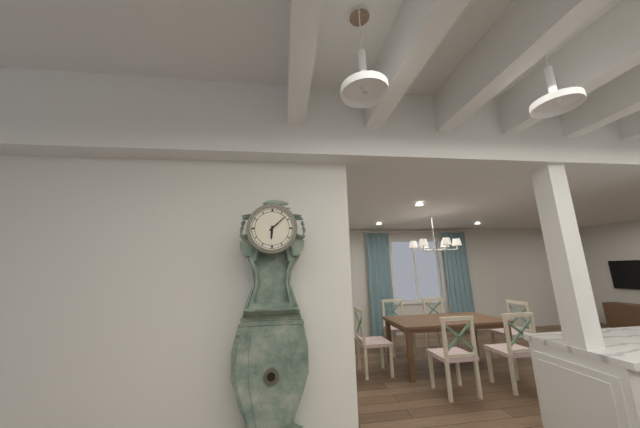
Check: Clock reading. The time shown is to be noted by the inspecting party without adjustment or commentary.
6:08
